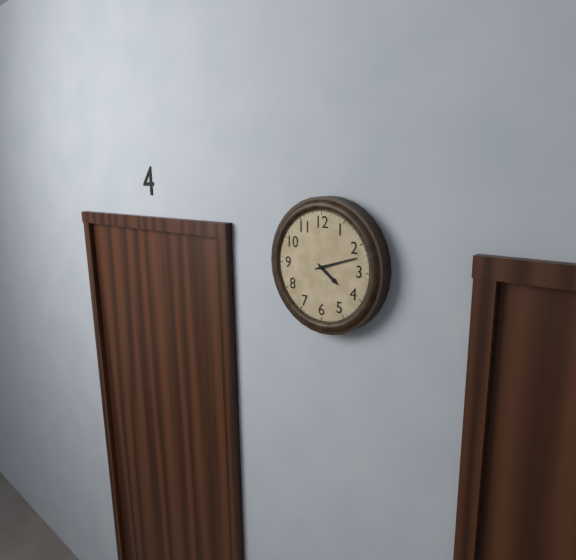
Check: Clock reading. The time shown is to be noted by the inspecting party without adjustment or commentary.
4:12
